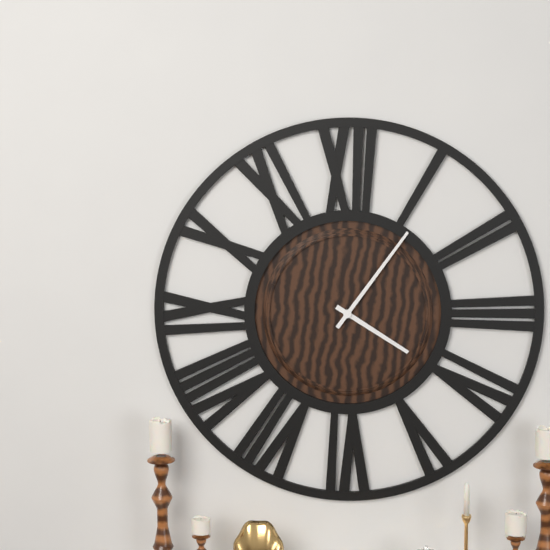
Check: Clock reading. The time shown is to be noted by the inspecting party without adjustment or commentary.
4:06
